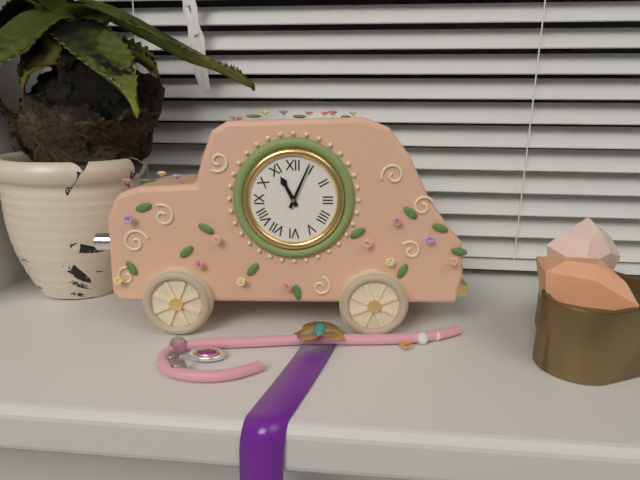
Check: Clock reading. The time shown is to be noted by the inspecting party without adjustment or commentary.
11:04
